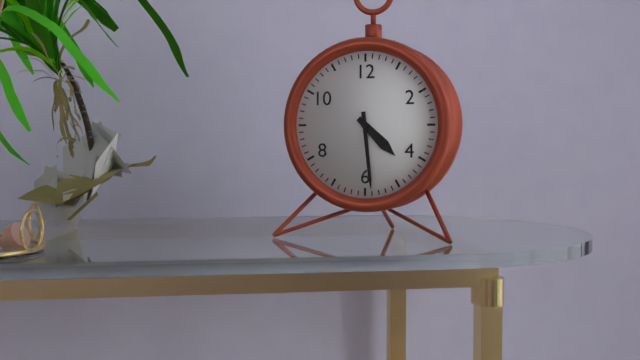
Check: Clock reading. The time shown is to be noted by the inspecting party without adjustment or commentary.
4:29
